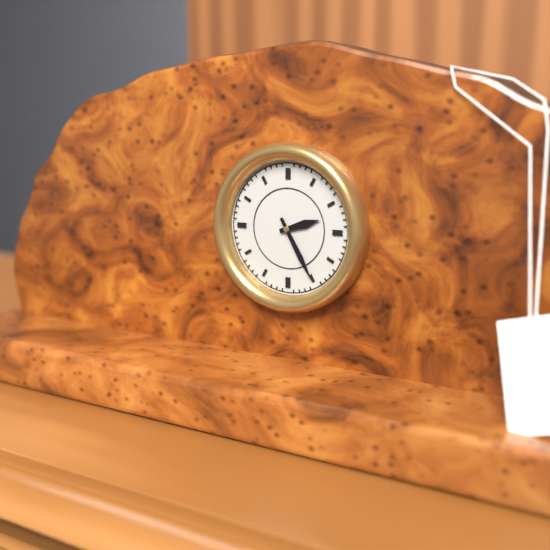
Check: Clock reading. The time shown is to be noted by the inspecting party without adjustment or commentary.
2:25
